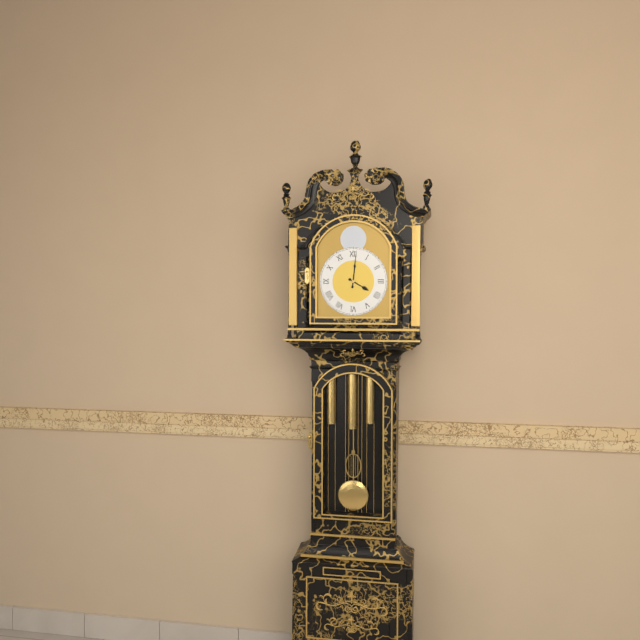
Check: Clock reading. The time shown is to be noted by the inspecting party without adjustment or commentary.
4:01
